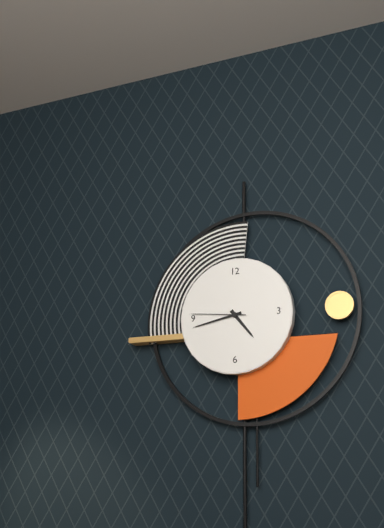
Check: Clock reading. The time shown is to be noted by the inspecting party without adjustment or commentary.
4:43:46
